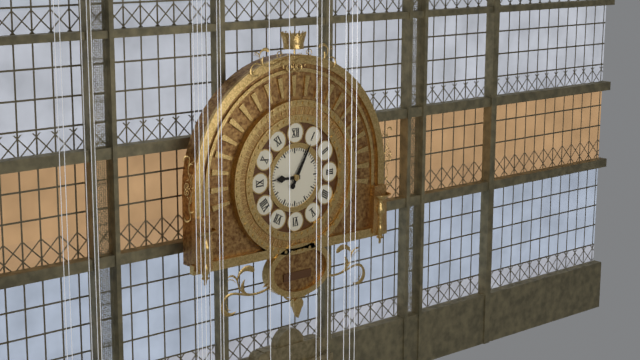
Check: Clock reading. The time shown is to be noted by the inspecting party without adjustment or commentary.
9:05
